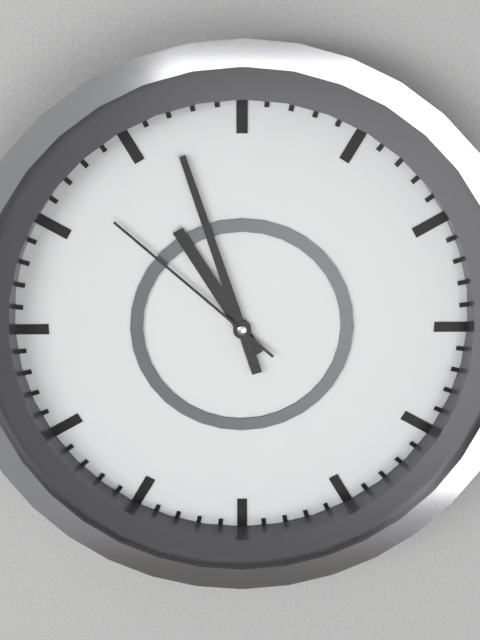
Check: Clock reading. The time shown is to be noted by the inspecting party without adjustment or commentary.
10:57:52
